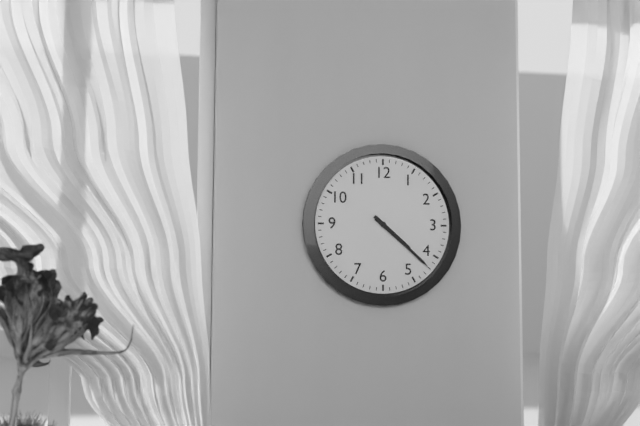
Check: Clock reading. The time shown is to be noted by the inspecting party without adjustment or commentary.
4:22
